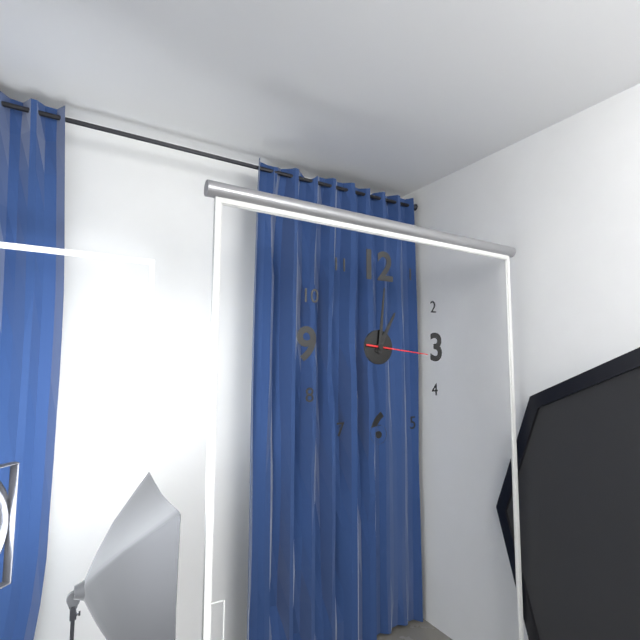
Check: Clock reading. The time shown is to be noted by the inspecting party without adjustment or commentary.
1:01:16
